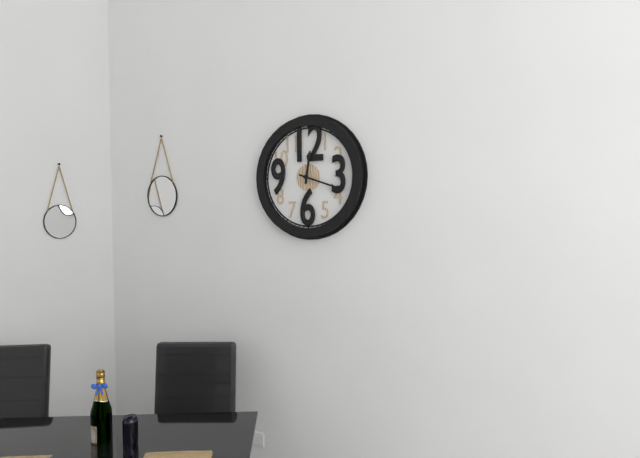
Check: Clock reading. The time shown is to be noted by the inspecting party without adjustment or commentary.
12:18
